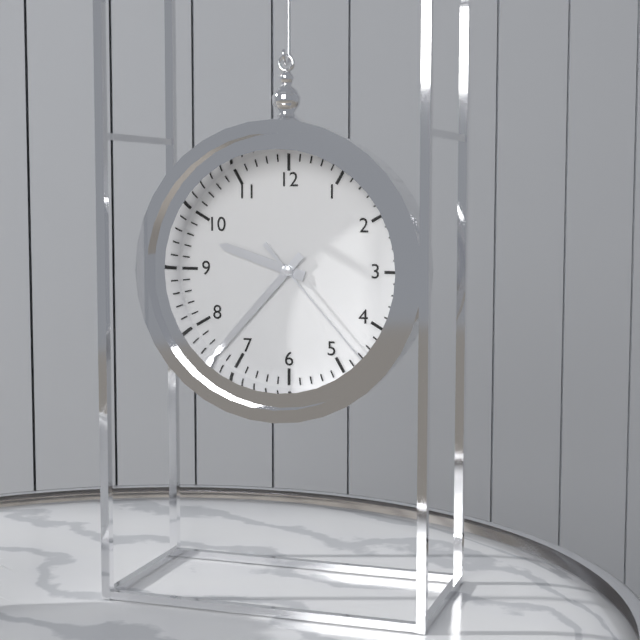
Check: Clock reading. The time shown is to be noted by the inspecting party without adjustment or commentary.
9:37:23
